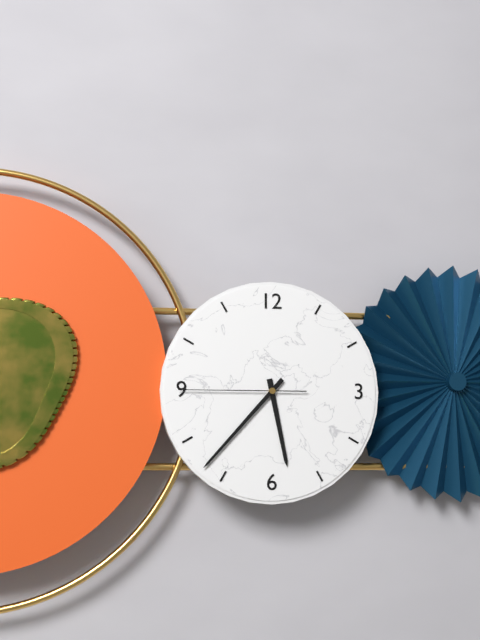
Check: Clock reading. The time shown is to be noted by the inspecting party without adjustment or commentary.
5:37:45
